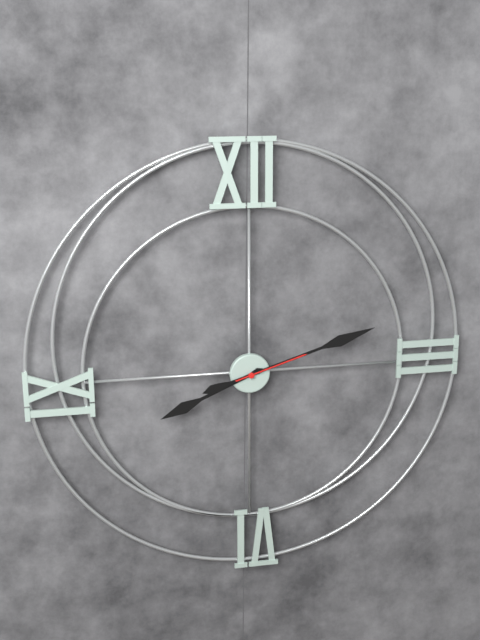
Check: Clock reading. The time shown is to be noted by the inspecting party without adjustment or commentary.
8:12:12
